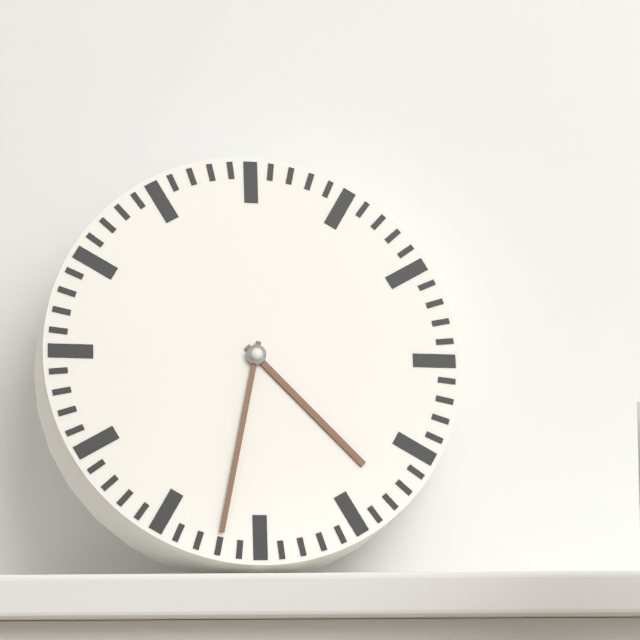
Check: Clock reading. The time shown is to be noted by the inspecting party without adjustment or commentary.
4:32
